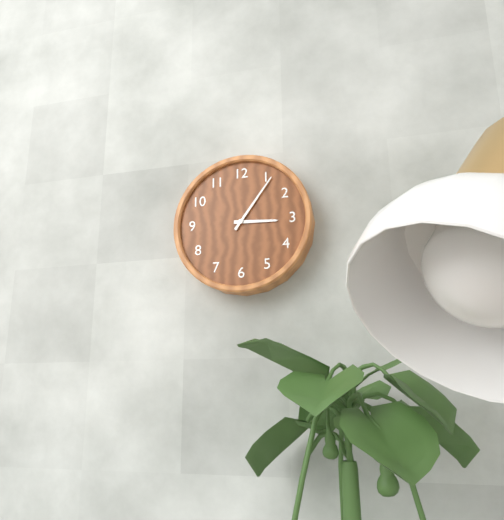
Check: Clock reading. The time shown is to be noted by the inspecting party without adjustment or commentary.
3:06
